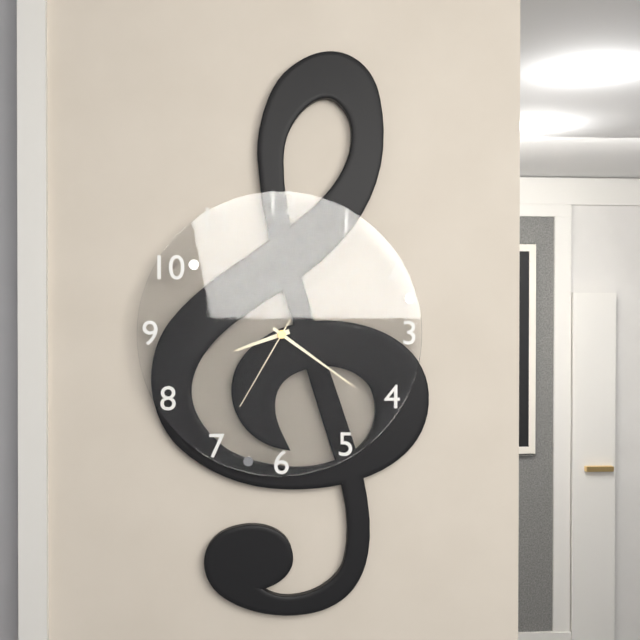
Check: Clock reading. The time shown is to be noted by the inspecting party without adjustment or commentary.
8:21:35
